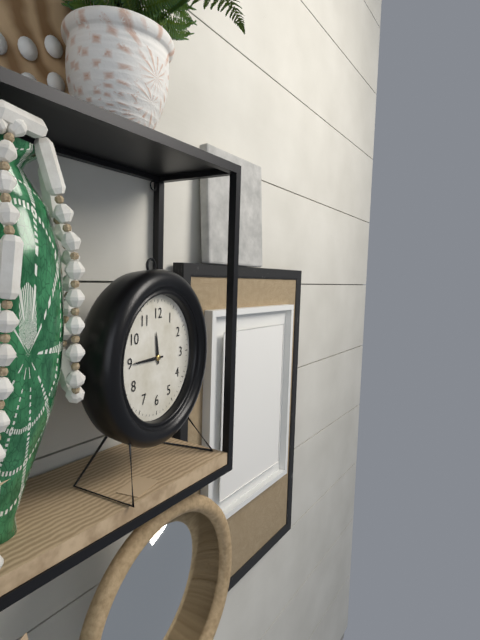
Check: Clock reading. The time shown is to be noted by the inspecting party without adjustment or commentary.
11:45
